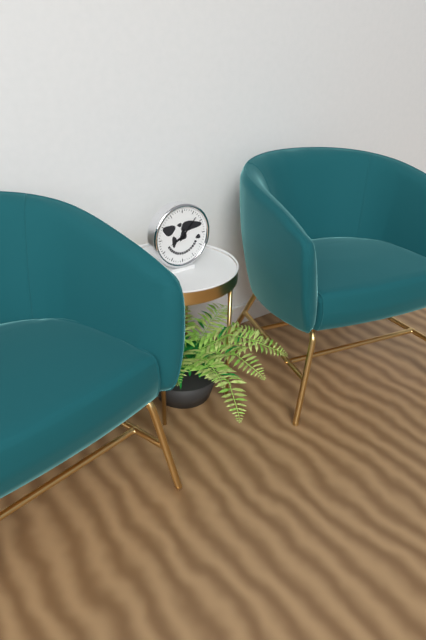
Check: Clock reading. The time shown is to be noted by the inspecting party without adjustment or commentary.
8:07
